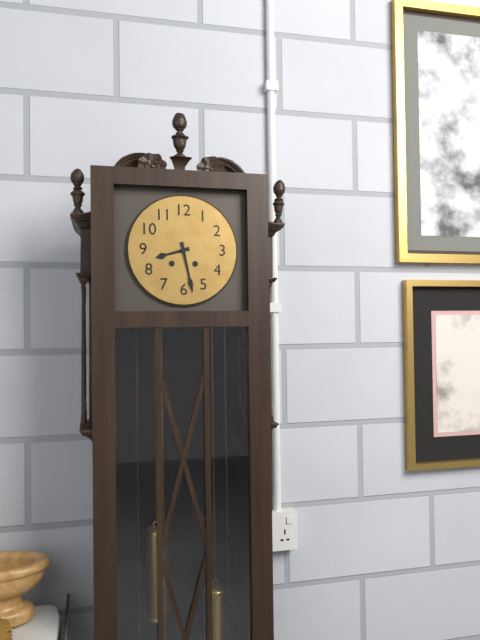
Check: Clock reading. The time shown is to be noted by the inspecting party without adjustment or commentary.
8:28
